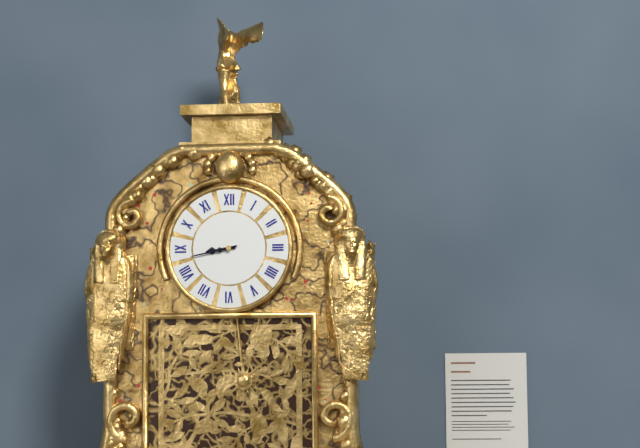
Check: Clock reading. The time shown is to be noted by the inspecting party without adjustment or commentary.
8:43
